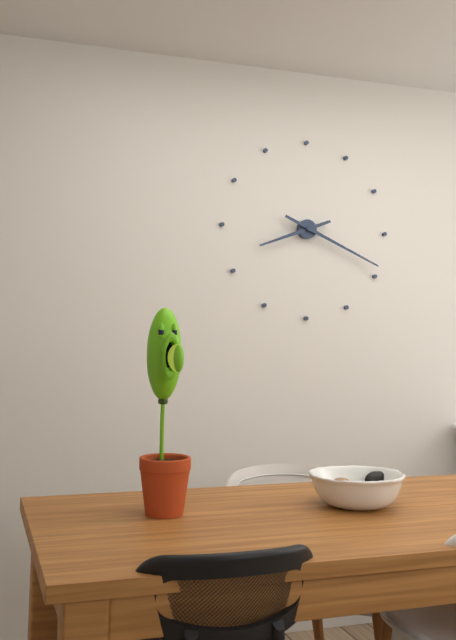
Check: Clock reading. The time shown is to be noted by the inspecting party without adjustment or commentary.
8:19
